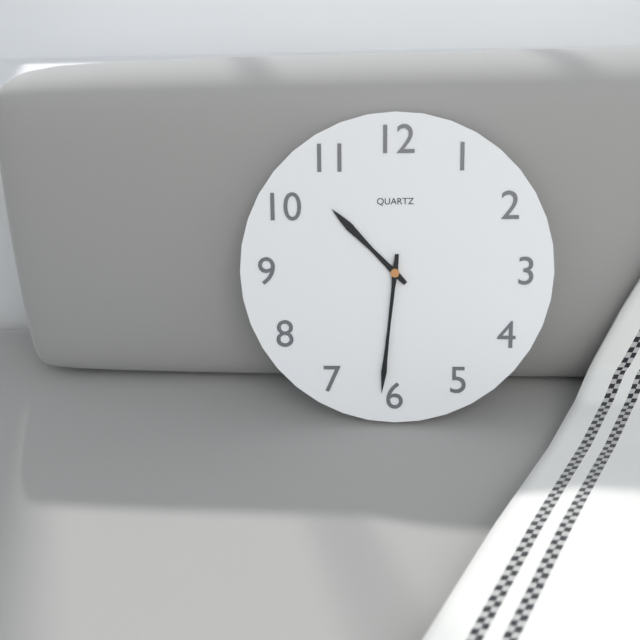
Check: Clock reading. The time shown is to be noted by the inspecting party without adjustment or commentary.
10:31
